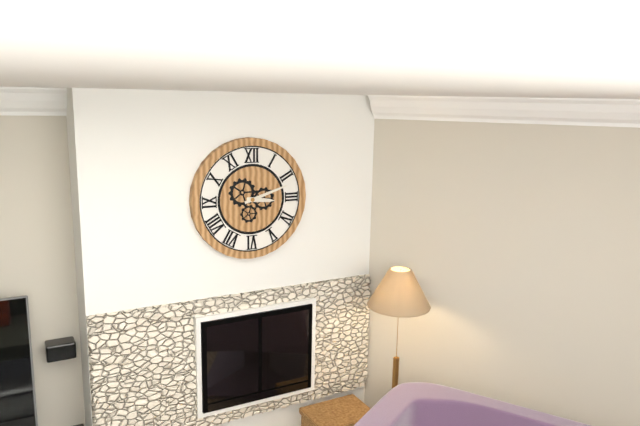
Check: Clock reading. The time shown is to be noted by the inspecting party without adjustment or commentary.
3:12
